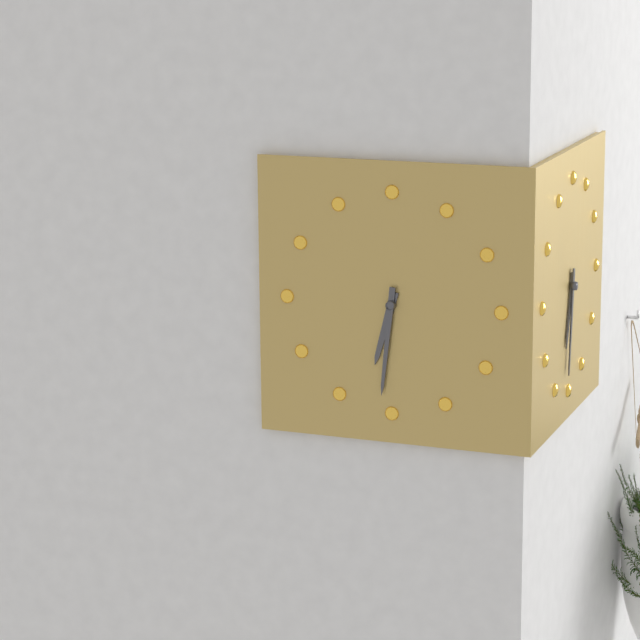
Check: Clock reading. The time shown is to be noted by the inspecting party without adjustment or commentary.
6:31
